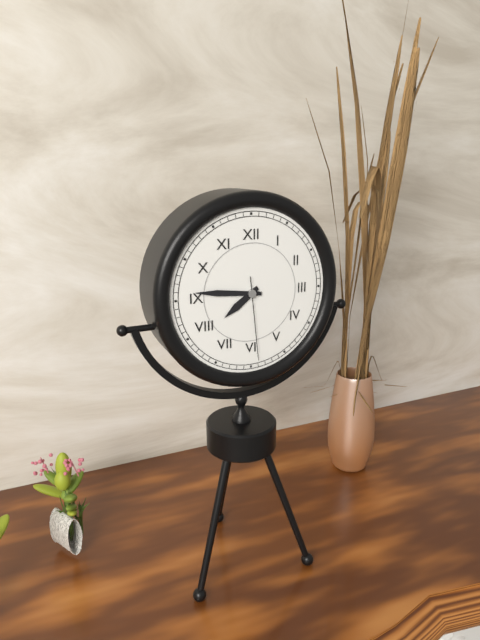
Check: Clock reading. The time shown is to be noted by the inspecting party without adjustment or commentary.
7:46:29
